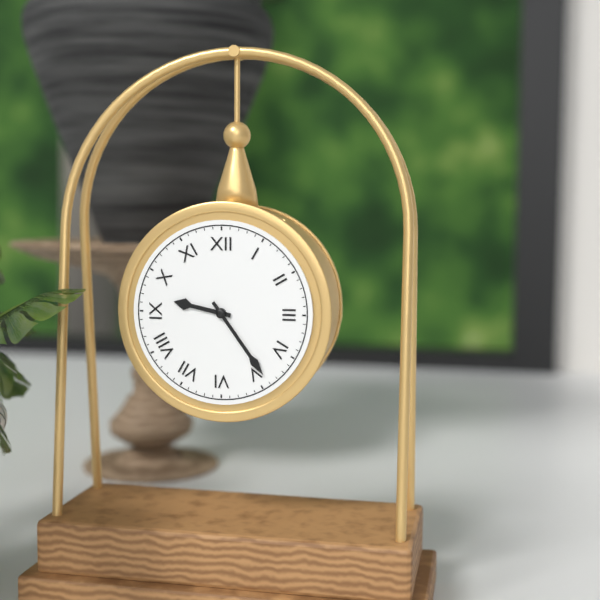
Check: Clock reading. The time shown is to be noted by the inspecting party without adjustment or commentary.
9:24
